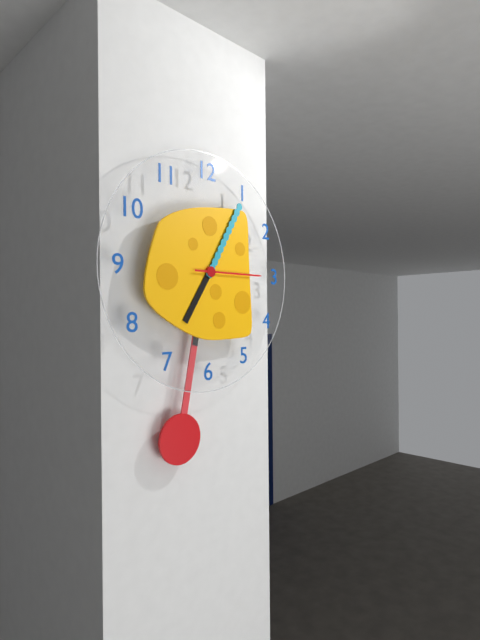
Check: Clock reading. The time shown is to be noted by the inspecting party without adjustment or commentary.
7:05:15
